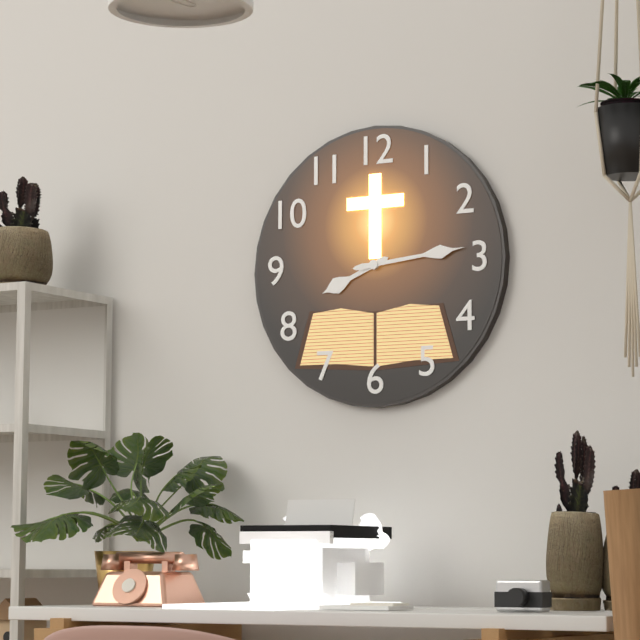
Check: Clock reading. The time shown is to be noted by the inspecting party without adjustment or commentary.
8:14
